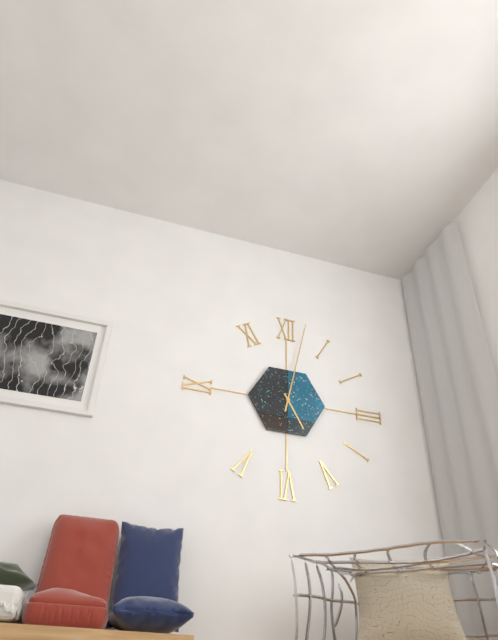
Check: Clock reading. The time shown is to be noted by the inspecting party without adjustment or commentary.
5:02
